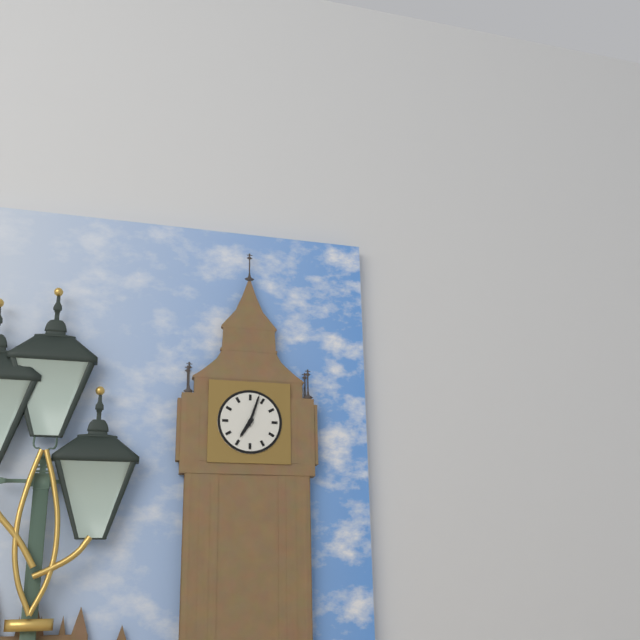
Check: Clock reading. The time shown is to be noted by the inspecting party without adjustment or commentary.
7:03
